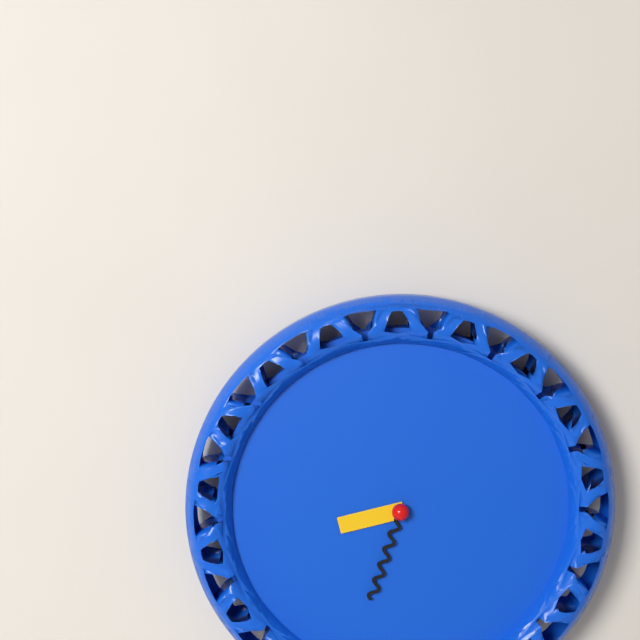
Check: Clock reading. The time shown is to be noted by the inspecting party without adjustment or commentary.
8:33
